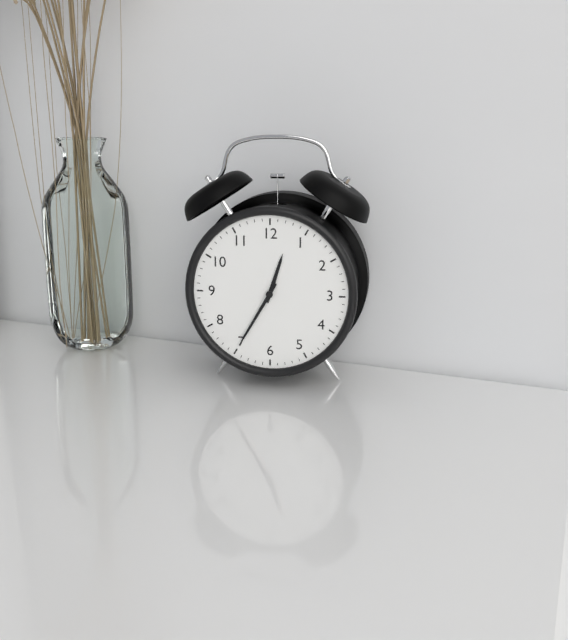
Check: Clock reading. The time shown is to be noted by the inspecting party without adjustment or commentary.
12:35
